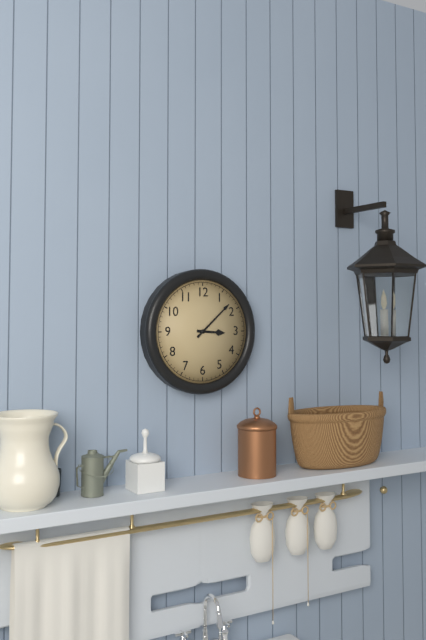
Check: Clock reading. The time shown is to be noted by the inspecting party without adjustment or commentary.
3:08
